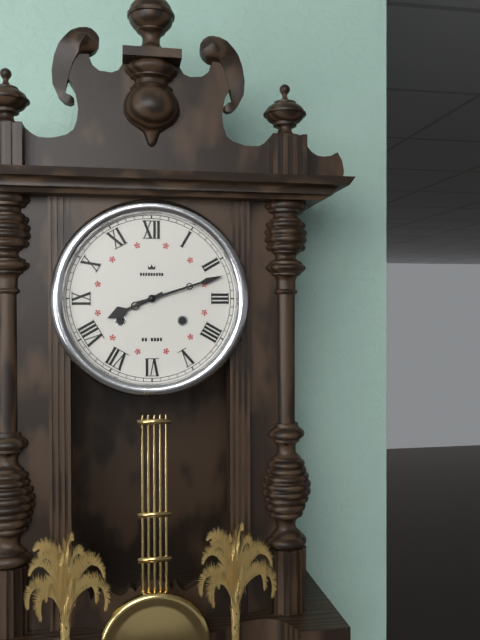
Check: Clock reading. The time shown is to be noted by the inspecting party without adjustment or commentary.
8:12
